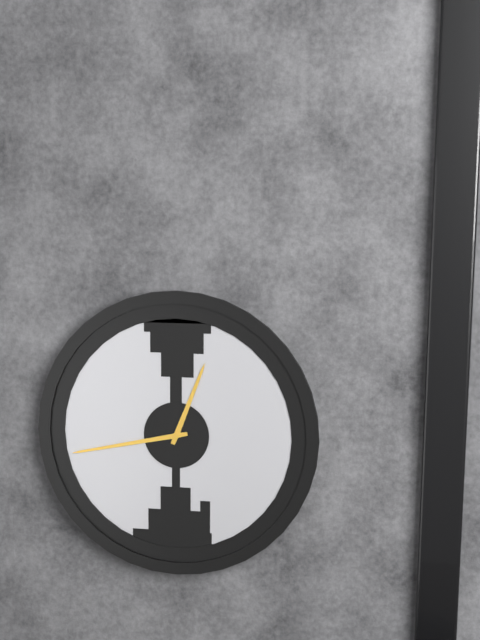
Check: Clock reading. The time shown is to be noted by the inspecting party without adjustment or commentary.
12:43
